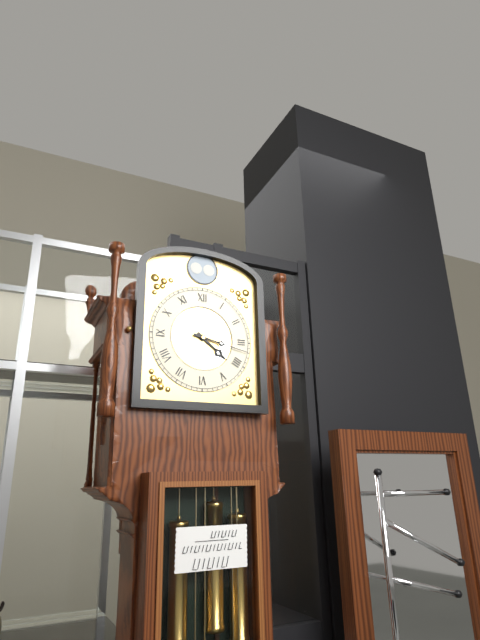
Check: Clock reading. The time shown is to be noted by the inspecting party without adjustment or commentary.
4:17
